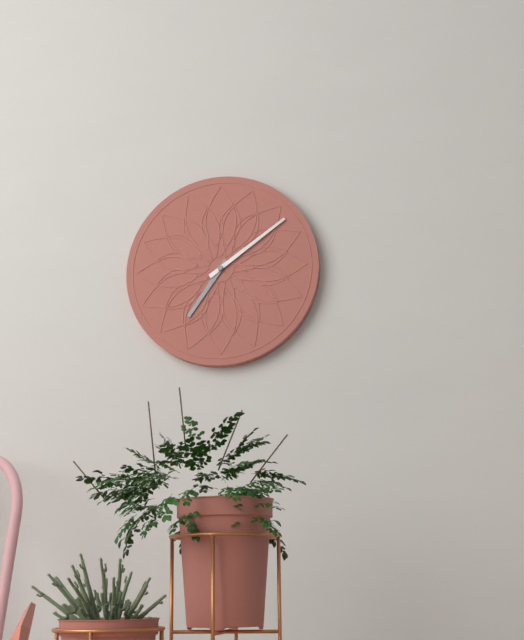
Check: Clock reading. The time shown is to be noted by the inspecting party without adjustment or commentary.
7:09
